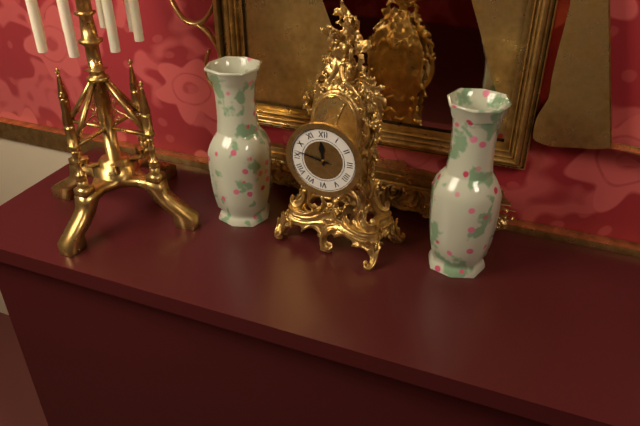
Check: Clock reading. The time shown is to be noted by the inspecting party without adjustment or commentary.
11:47
